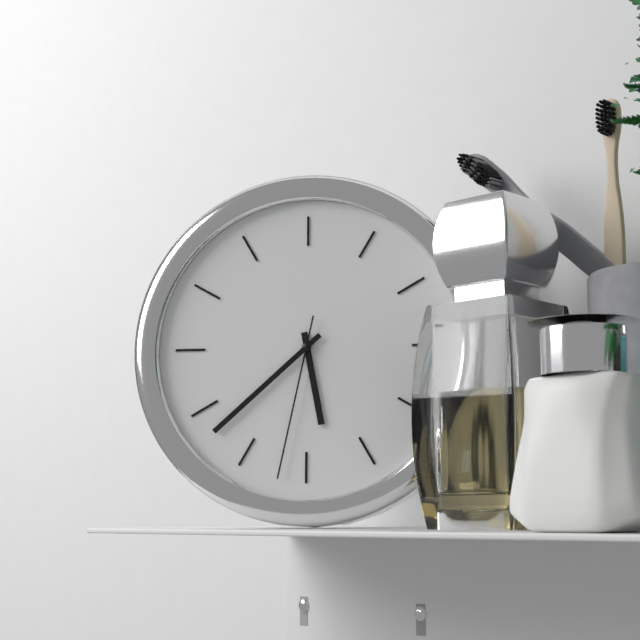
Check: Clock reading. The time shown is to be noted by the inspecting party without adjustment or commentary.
5:38:32
